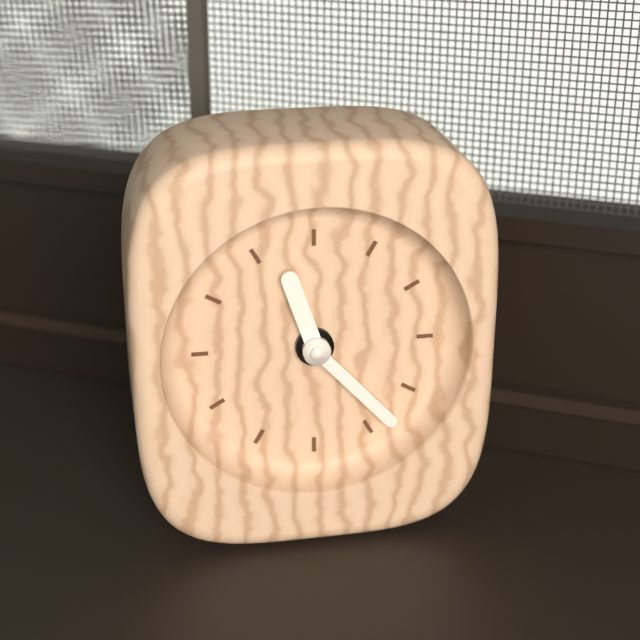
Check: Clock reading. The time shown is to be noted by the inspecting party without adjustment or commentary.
11:23
